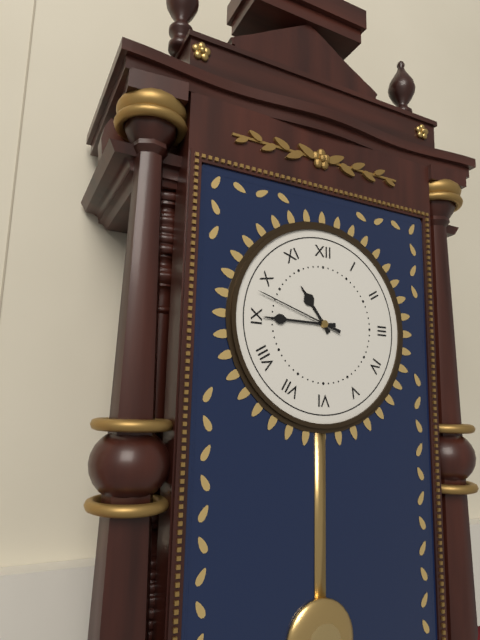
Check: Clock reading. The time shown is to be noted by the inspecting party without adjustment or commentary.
10:45:48
